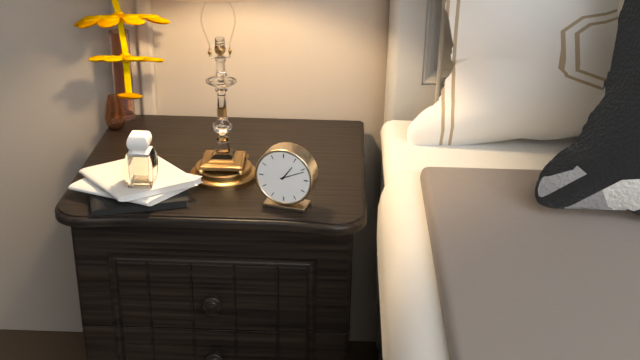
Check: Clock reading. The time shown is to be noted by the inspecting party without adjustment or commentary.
1:11
